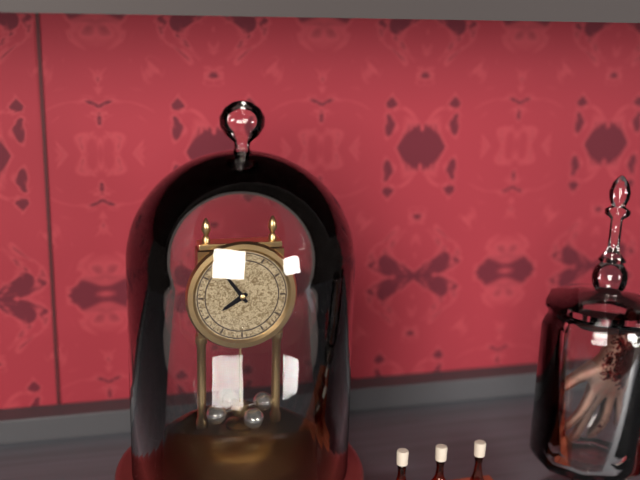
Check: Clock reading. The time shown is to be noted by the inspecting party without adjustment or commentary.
7:54
